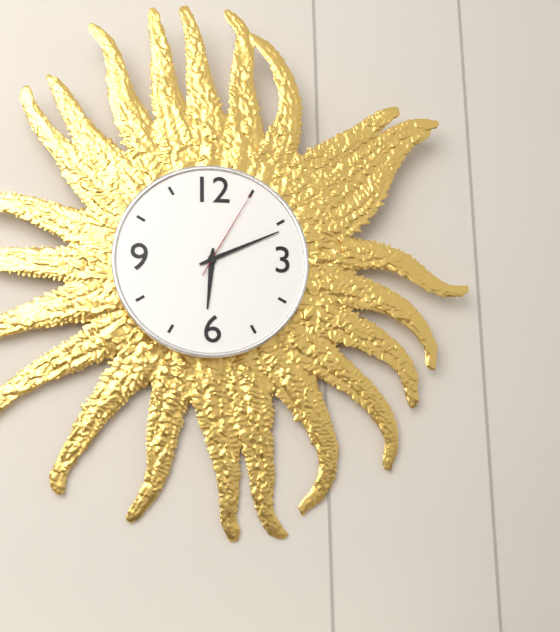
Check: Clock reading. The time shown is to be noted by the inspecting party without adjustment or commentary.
6:11:05
